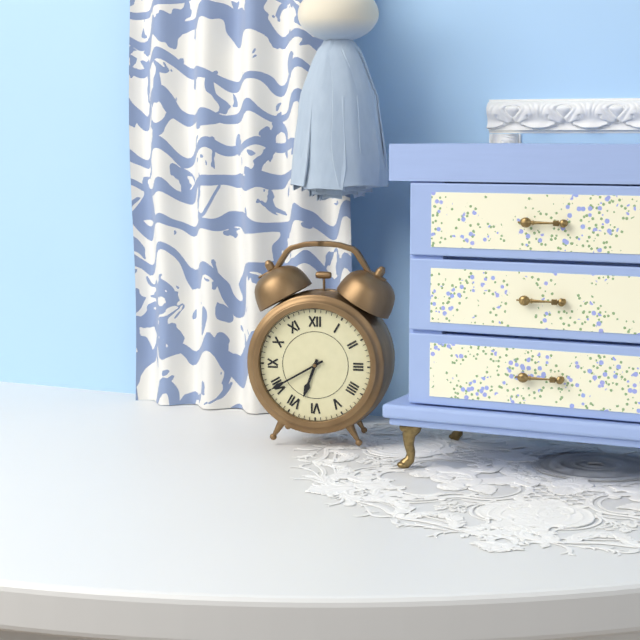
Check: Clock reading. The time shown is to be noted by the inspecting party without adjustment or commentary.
6:40
